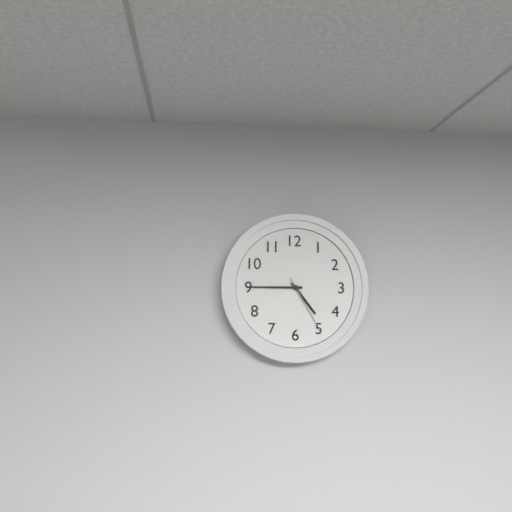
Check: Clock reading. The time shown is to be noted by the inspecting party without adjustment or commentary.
4:45:25
